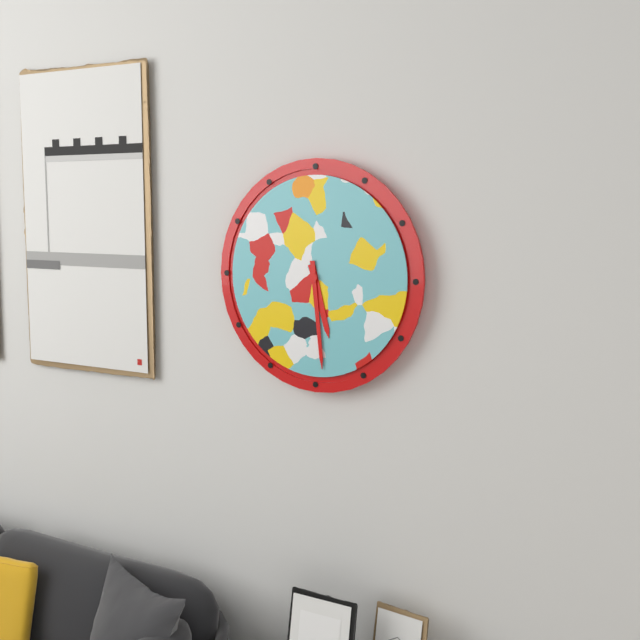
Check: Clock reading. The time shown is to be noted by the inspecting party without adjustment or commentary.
5:29
